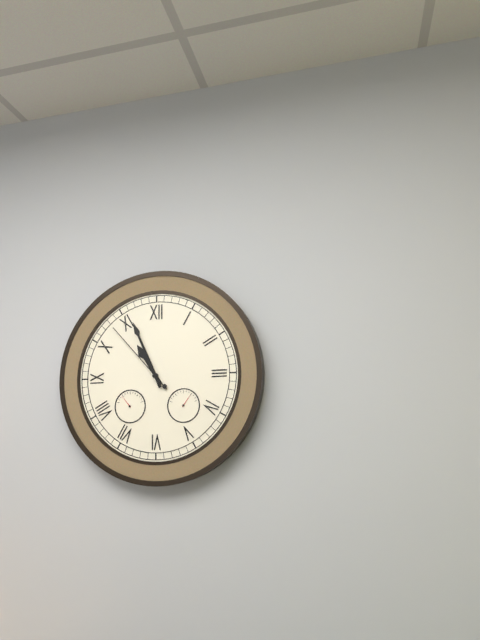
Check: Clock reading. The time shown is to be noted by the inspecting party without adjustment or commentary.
10:56:53
